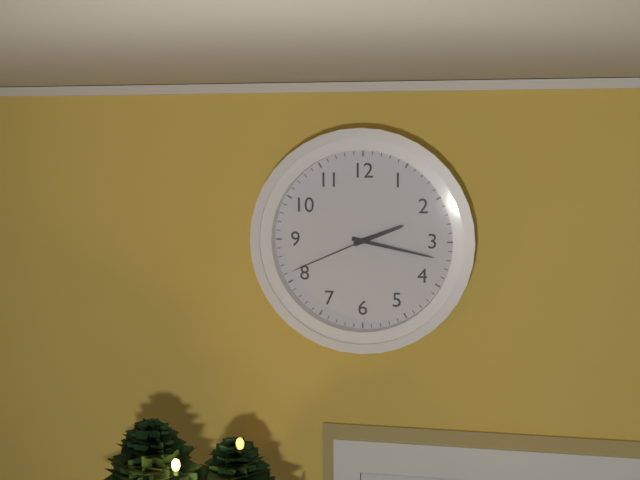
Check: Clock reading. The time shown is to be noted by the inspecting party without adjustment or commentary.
2:17:41
